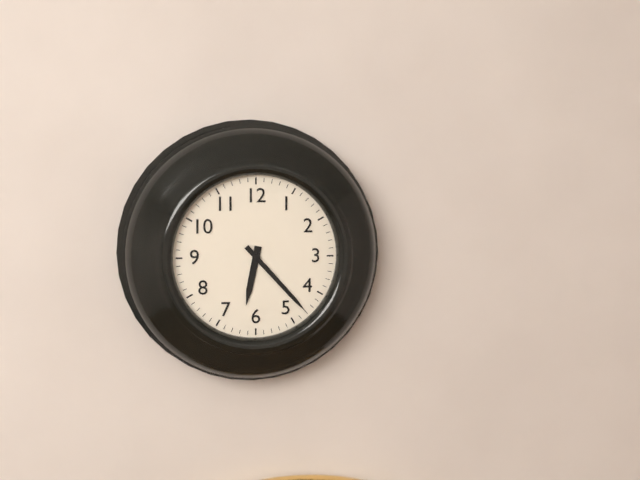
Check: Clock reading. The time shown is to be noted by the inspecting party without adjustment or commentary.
6:23
